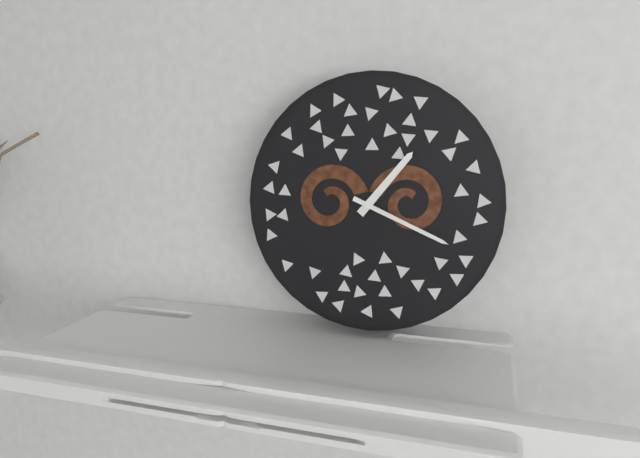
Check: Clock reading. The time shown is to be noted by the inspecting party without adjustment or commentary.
1:19
